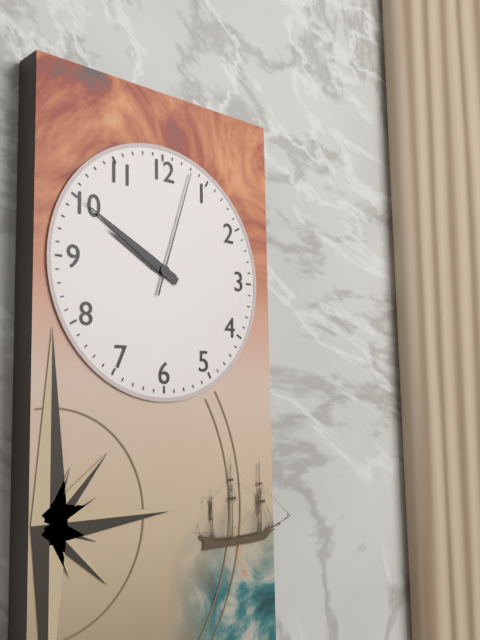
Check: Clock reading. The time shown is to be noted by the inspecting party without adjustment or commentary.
9:50:03
